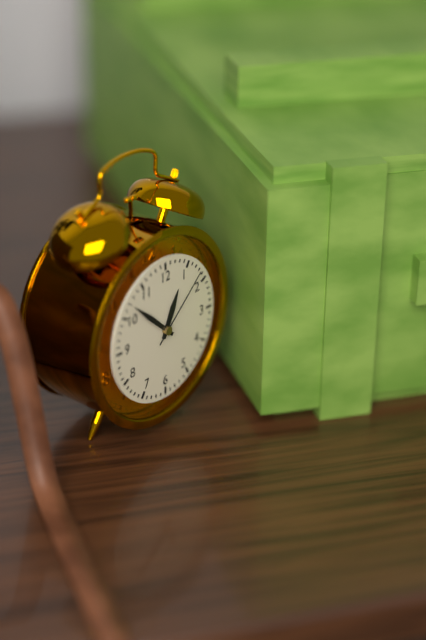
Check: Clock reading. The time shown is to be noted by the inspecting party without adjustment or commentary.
12:52:08
